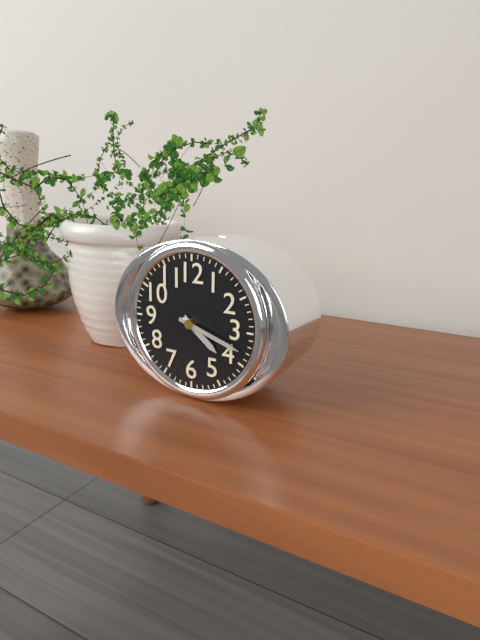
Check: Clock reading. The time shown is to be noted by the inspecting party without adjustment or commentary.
4:18
